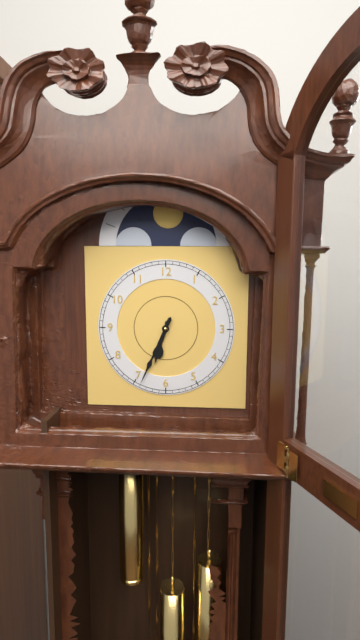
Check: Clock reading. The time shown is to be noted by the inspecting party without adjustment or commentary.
6:34
